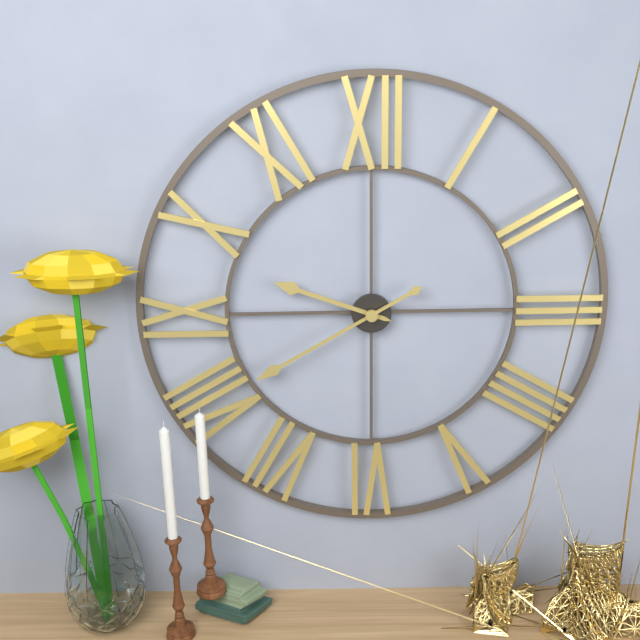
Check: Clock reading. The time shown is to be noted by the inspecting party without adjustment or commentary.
9:40
